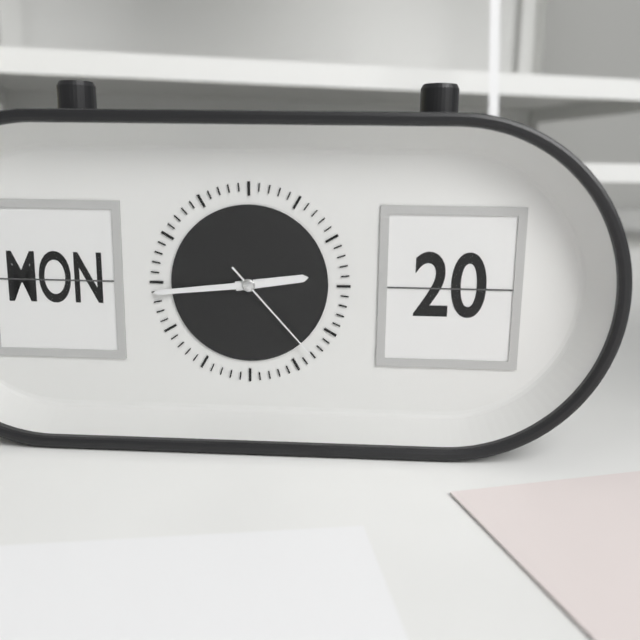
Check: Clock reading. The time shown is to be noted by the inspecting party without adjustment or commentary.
2:44:23
